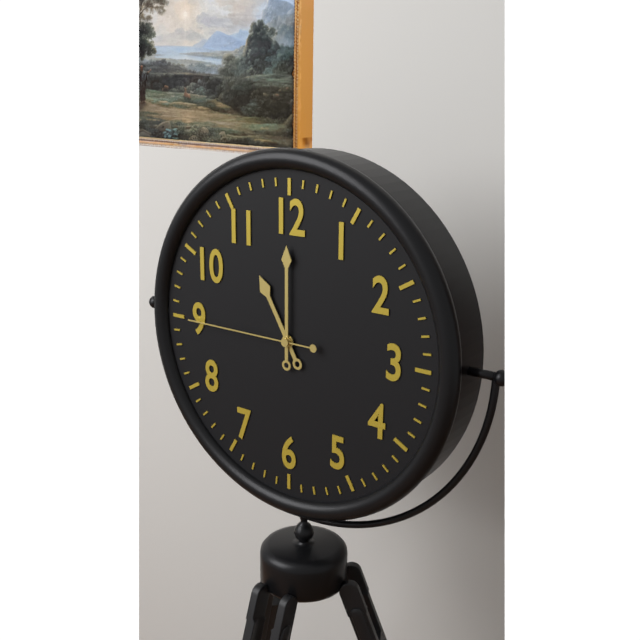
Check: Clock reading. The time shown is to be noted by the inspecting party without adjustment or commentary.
11:00:45
